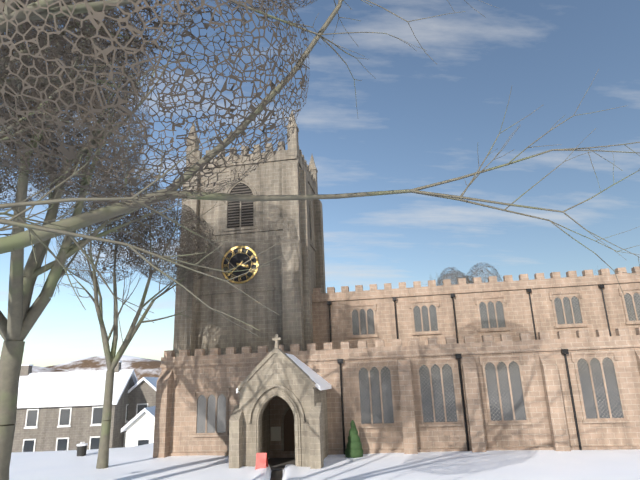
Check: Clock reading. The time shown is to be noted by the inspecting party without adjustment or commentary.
3:38
